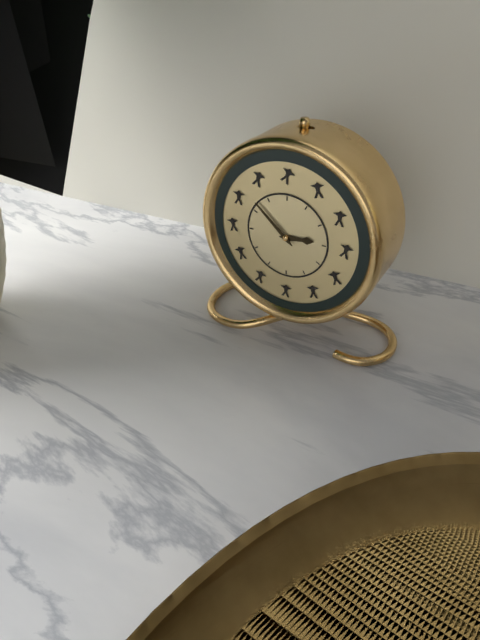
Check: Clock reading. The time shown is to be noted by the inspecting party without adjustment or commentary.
2:52
